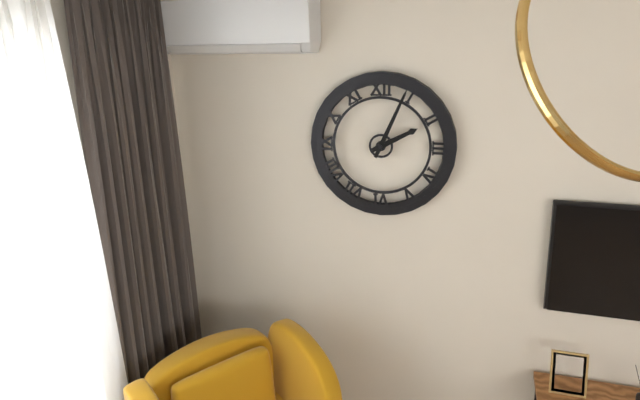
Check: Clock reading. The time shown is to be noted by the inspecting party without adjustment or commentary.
2:04
